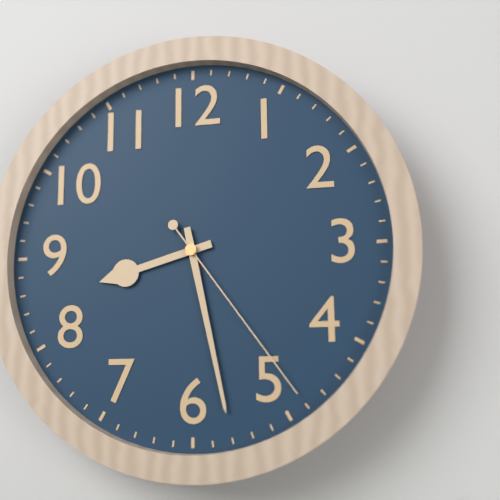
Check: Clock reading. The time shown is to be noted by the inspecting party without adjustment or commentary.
8:28:24
